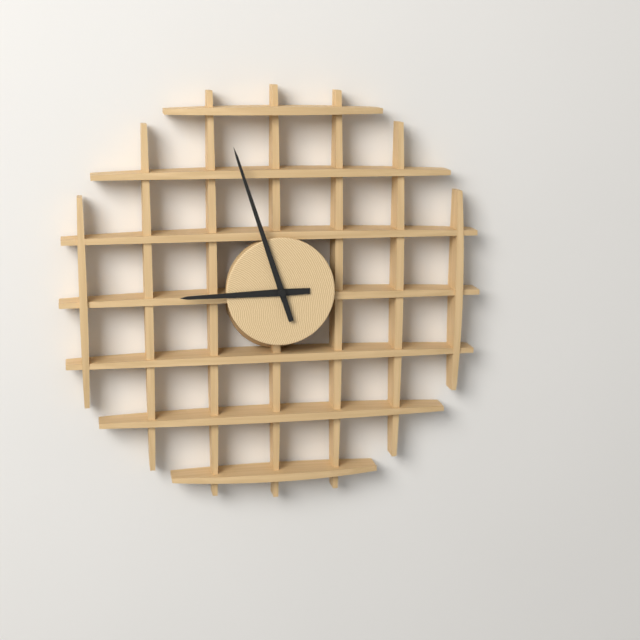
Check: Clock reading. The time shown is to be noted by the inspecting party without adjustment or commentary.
8:57
